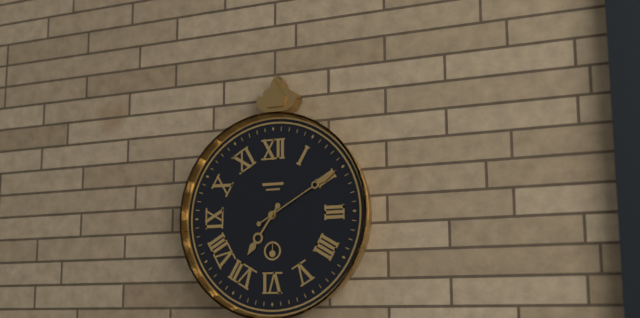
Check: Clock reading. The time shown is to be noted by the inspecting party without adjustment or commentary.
7:10
